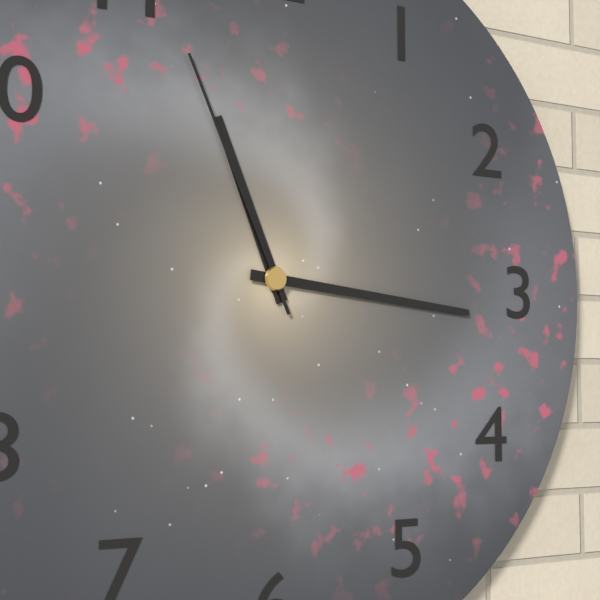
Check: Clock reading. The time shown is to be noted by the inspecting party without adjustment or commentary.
11:16:56
